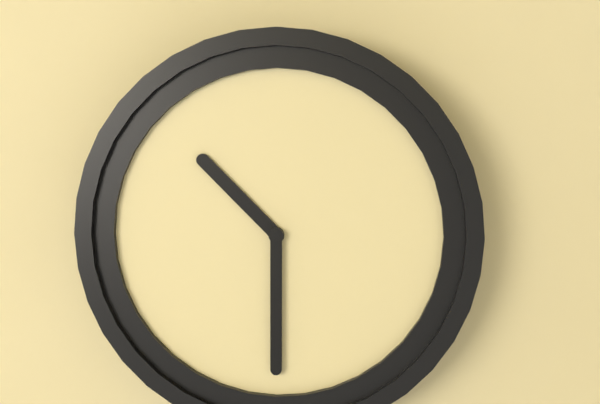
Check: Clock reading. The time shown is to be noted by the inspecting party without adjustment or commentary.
10:30
